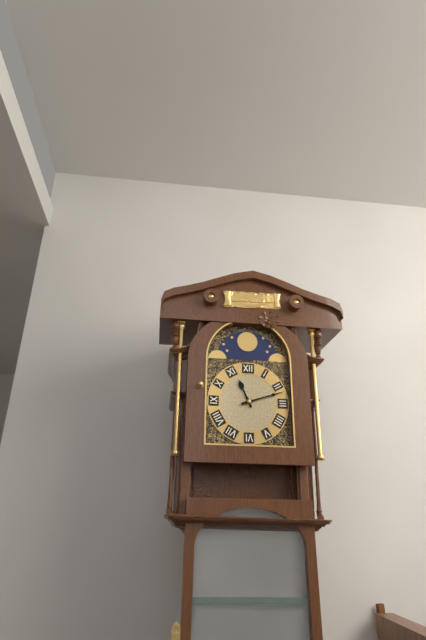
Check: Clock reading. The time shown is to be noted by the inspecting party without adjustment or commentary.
11:12
